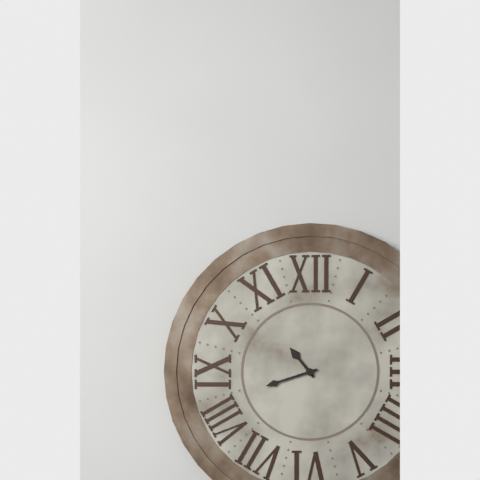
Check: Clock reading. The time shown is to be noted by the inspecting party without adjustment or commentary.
10:42
